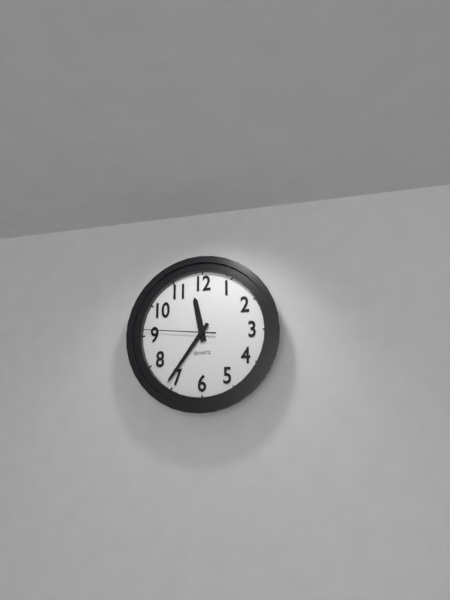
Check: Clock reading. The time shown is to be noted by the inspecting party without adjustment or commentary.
11:36:46
